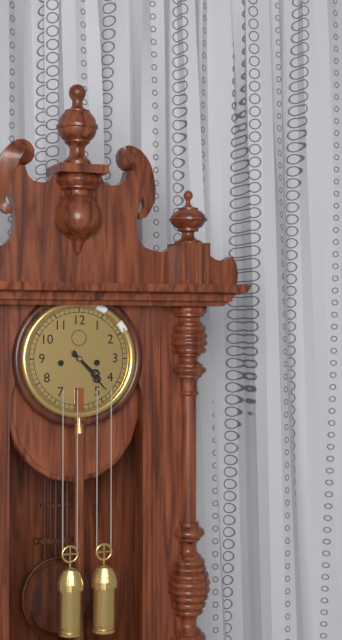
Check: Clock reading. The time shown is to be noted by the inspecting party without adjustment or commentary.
4:23
